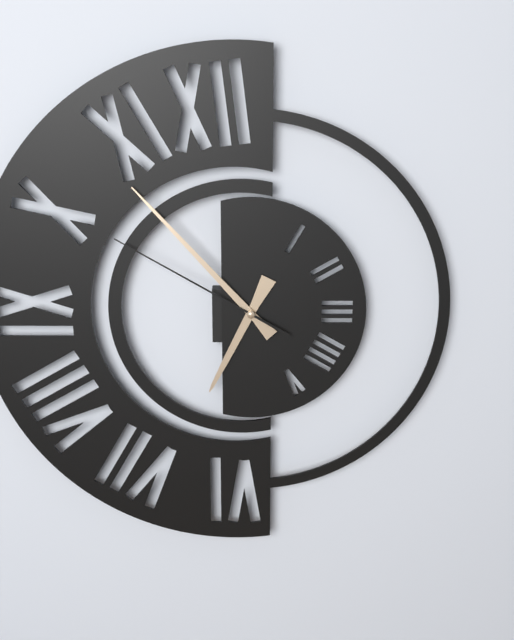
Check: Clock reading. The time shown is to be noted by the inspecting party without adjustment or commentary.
6:53:50
